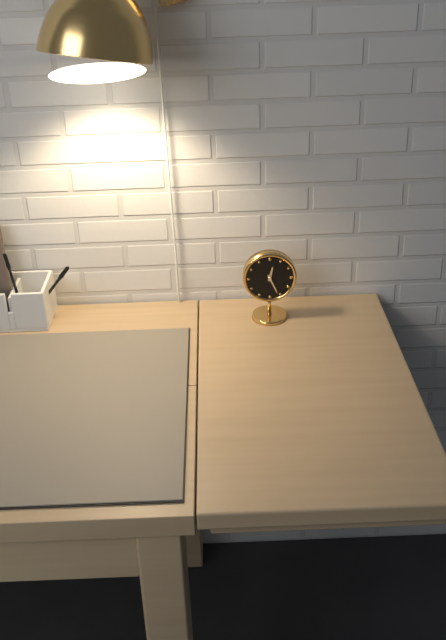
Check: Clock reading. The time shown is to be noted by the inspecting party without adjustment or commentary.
12:26
